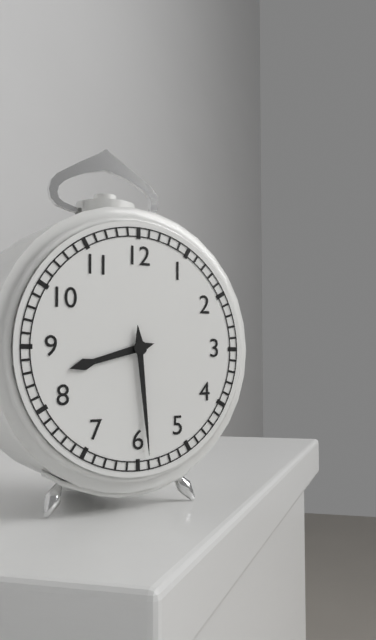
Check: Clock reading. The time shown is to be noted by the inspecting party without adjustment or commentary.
8:29
